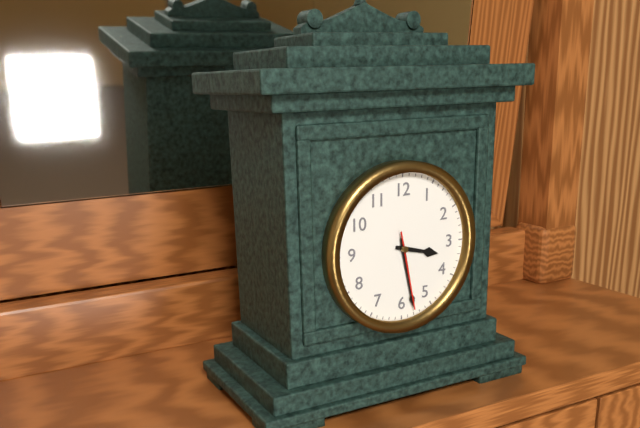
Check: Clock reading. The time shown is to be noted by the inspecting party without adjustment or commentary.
3:28:28
